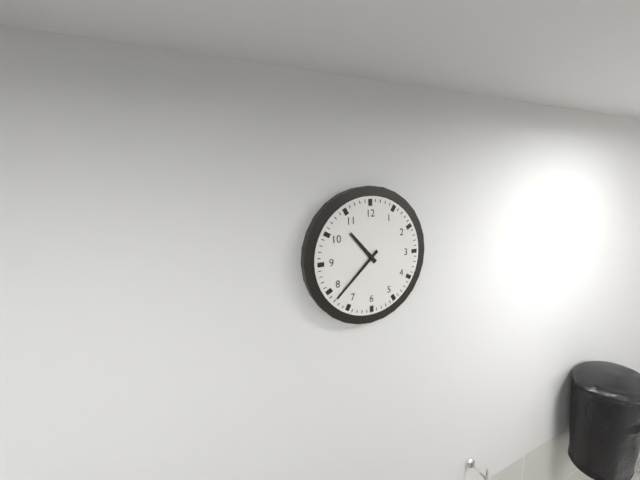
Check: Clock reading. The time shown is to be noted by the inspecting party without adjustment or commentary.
10:38
